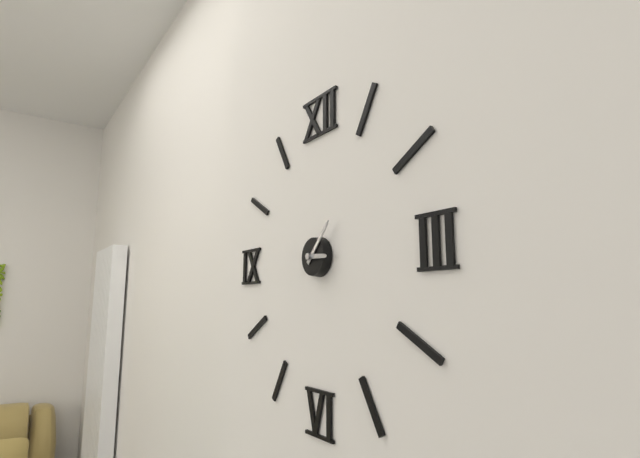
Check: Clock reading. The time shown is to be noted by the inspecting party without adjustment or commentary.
3:07
